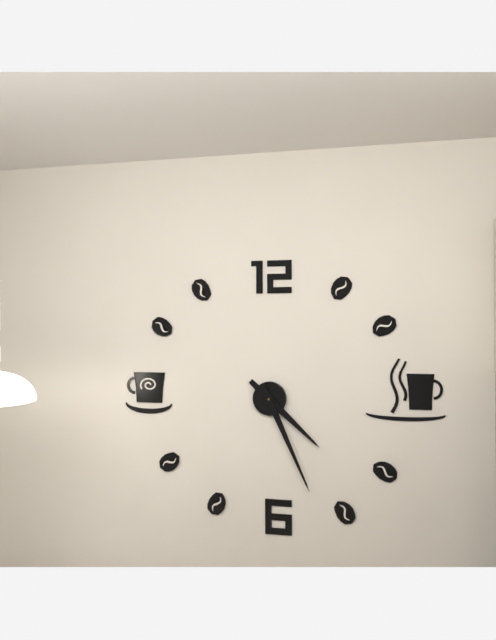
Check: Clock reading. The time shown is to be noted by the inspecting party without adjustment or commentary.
4:26
